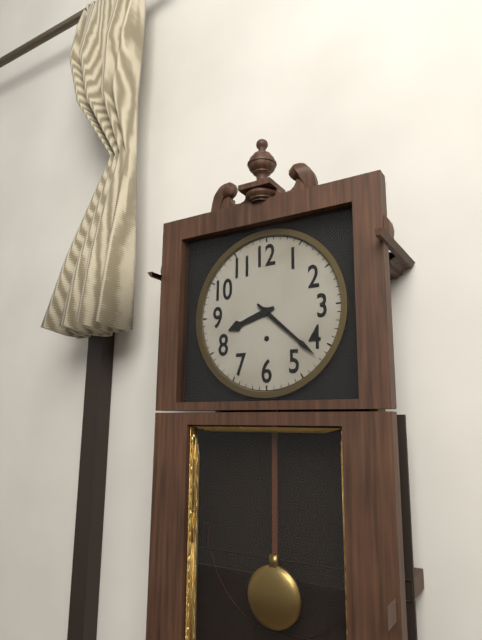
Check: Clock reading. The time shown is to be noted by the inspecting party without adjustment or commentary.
8:22
